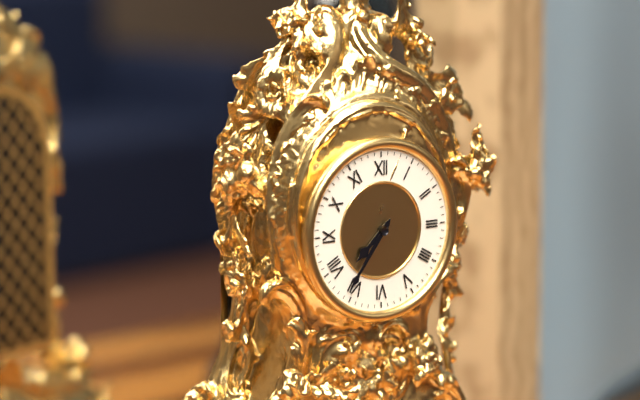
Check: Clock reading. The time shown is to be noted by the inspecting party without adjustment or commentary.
7:36
